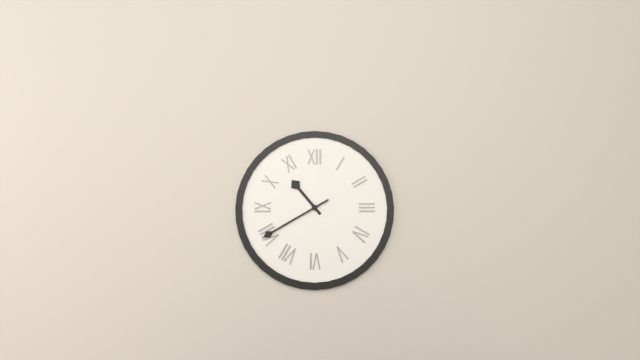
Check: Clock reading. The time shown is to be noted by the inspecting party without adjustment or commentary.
10:40
